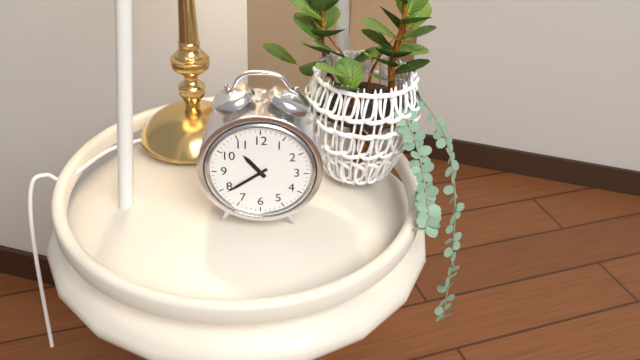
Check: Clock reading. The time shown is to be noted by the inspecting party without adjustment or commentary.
10:39
